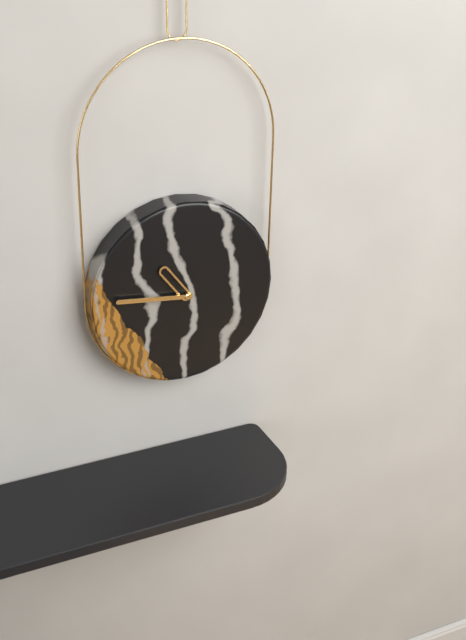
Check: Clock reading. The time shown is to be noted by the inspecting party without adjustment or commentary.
10:46
